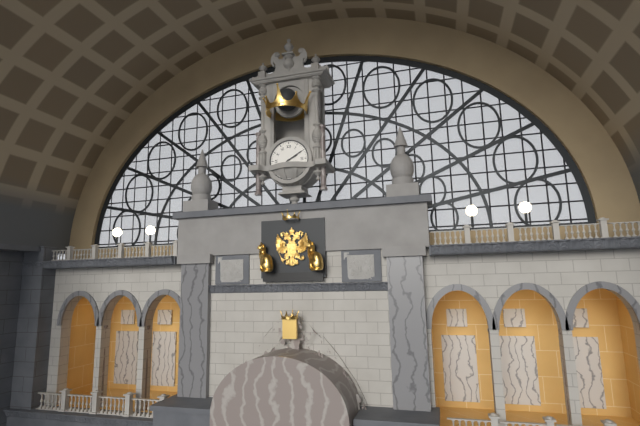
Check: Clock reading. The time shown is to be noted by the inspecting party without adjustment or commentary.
2:10
